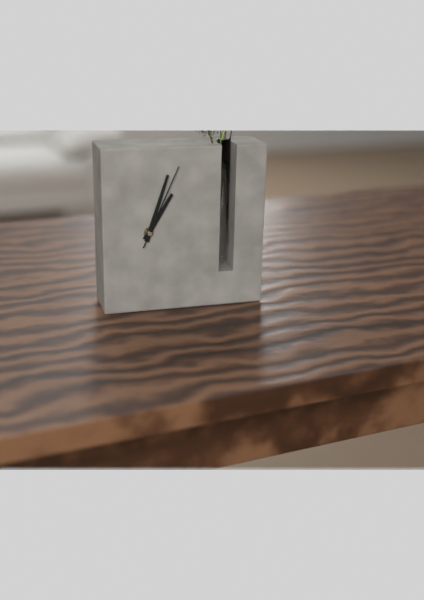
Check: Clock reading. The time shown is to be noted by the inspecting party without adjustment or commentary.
1:03:04
